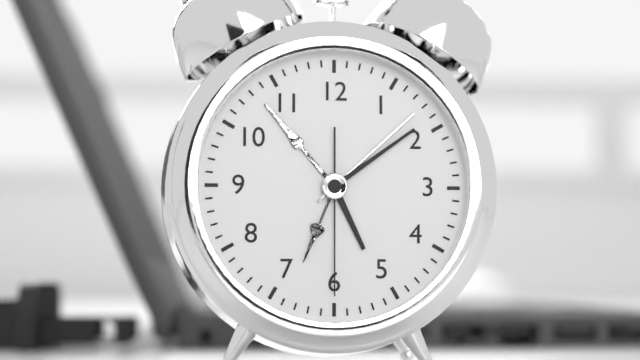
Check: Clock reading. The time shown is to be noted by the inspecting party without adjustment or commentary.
5:09:30
